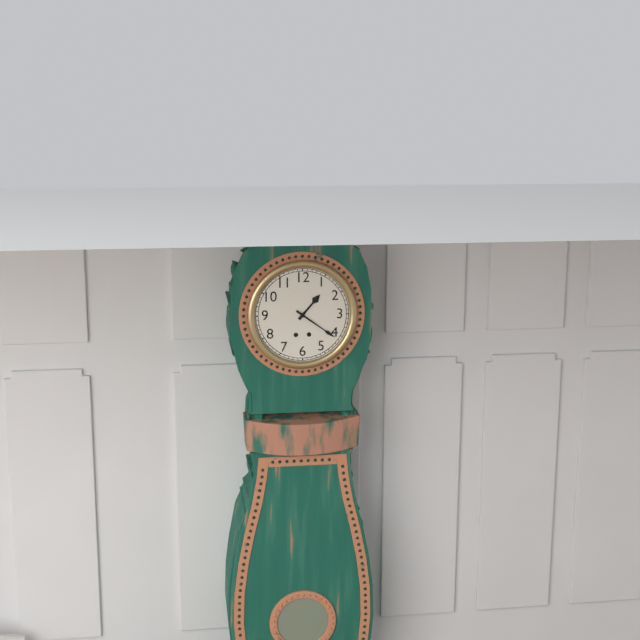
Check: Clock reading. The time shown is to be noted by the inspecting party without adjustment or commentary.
1:21
